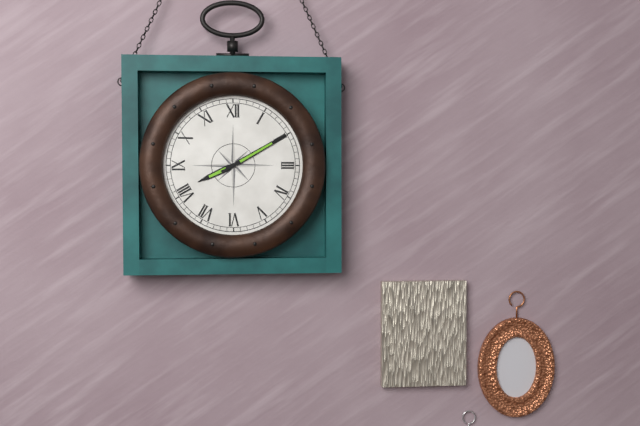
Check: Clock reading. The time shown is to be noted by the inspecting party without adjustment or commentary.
8:10
